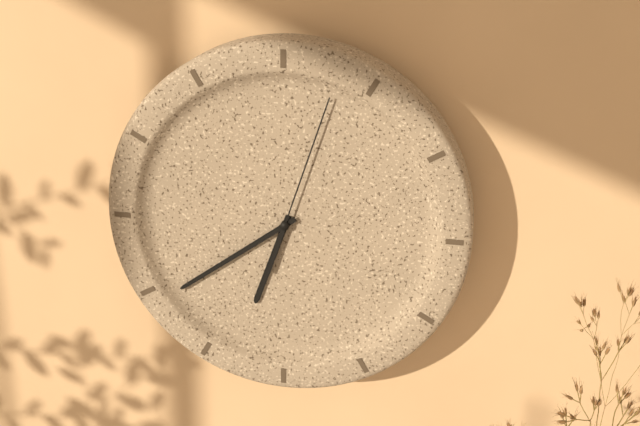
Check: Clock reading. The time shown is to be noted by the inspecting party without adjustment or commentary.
6:39:03
